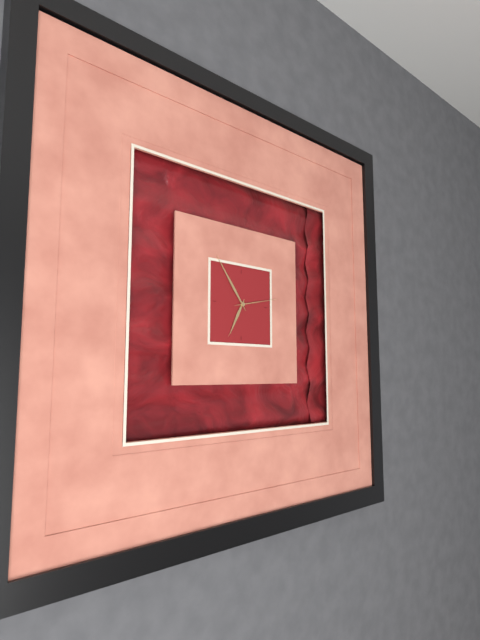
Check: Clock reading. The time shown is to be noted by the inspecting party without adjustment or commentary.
6:54
